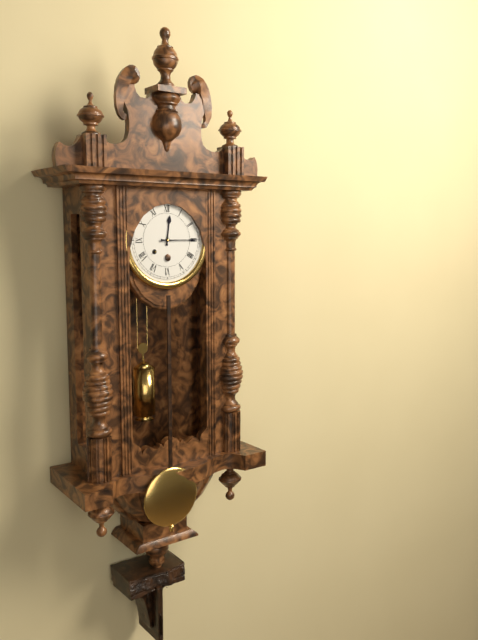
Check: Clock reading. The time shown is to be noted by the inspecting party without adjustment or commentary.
12:15
